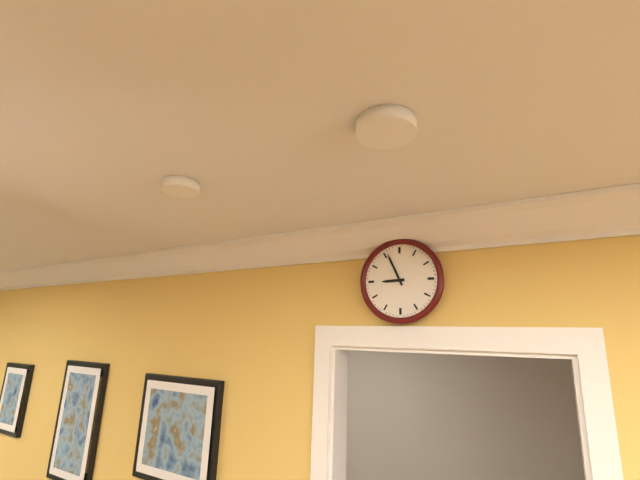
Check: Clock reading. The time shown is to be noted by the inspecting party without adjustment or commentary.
8:56
